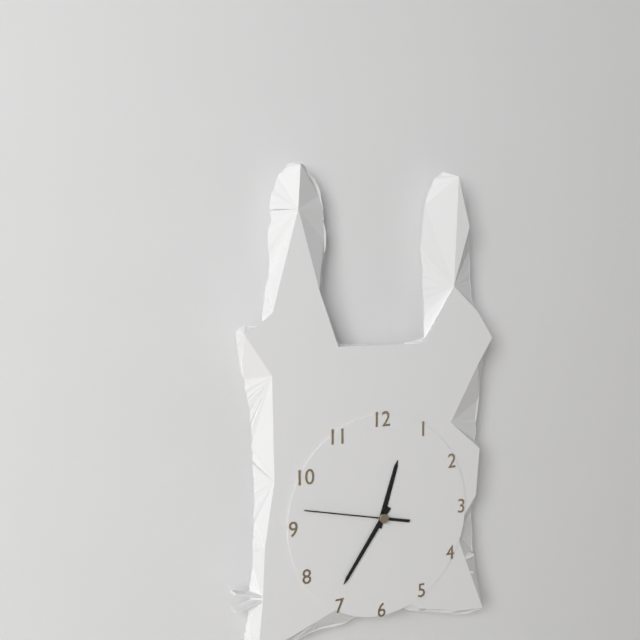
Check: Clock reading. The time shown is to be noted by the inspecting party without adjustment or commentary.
12:36:47
